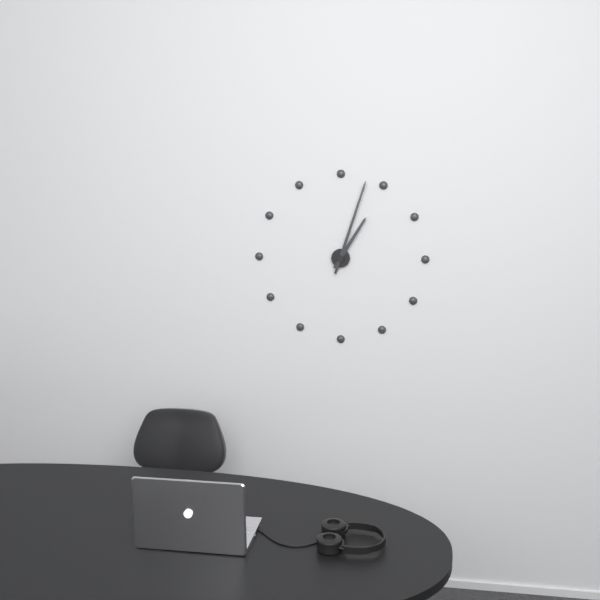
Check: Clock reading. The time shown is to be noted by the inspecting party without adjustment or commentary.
1:03
